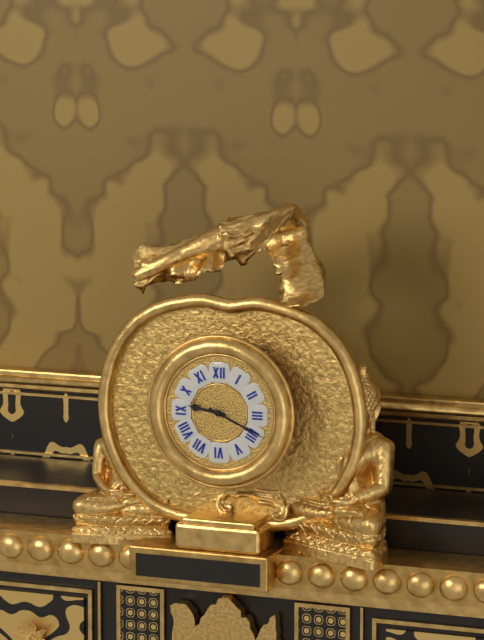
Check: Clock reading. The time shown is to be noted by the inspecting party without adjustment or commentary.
9:19
